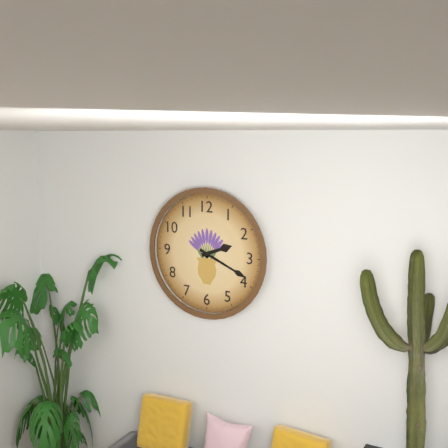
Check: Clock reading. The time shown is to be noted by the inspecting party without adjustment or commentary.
2:19
